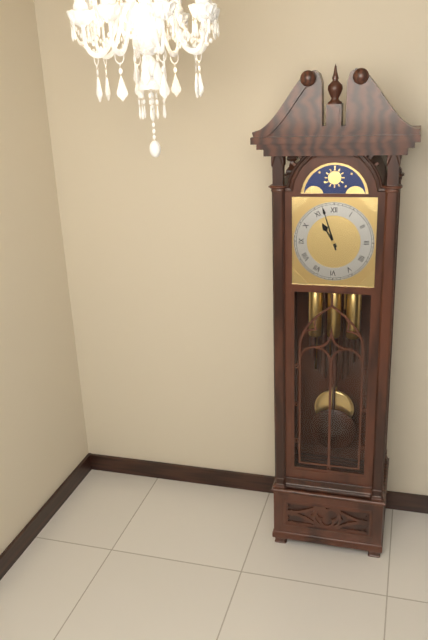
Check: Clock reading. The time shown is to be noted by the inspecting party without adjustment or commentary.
10:57
